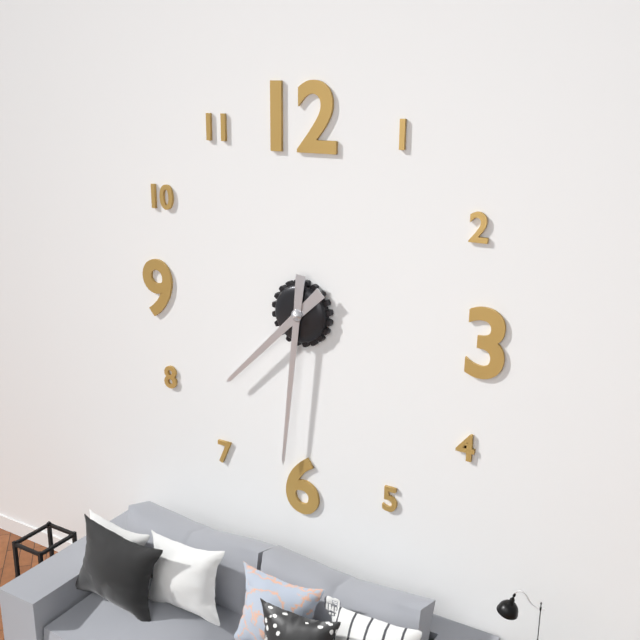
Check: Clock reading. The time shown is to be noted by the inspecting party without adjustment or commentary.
7:31
